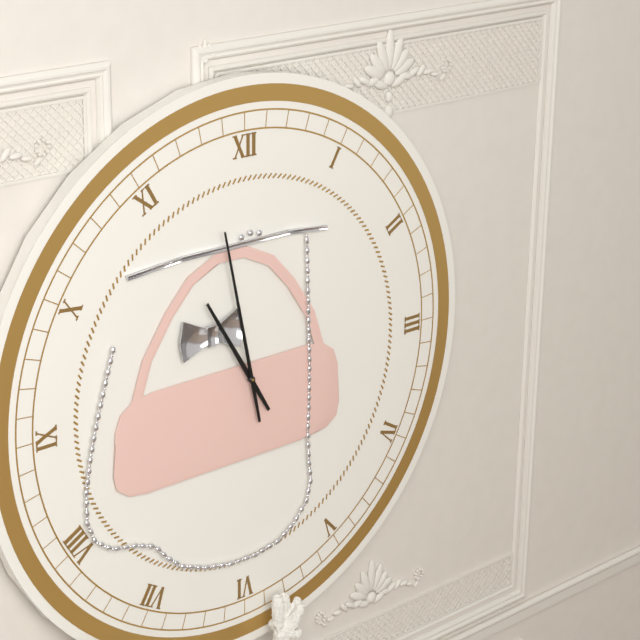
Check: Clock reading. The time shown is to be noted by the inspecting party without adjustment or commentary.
10:58
